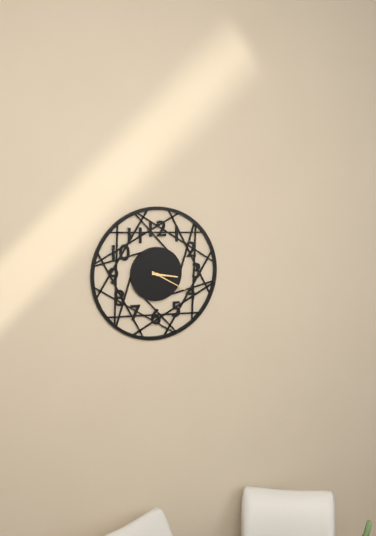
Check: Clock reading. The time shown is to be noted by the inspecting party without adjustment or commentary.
3:20
